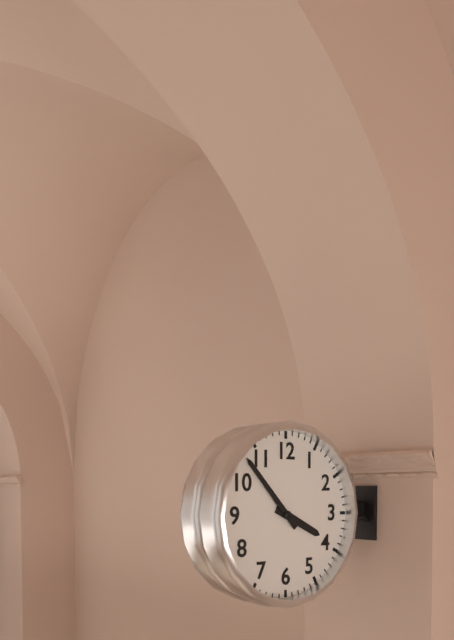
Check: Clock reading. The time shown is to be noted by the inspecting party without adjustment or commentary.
3:53
